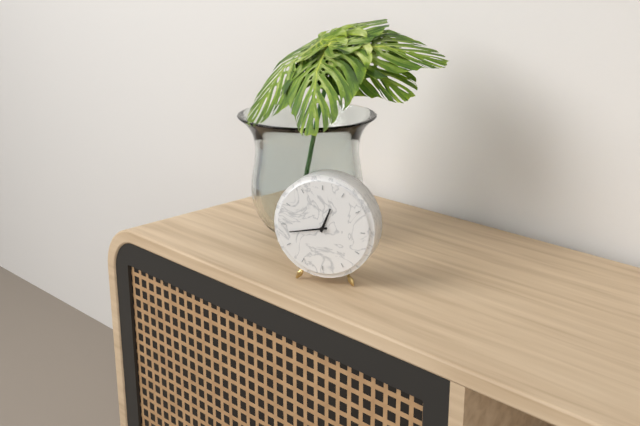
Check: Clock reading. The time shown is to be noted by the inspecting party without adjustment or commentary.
12:43
